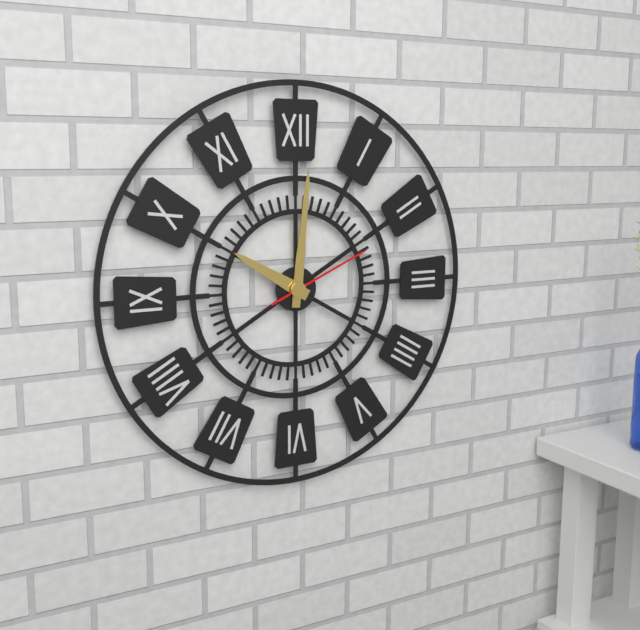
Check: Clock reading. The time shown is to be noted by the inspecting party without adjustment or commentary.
10:01:11
